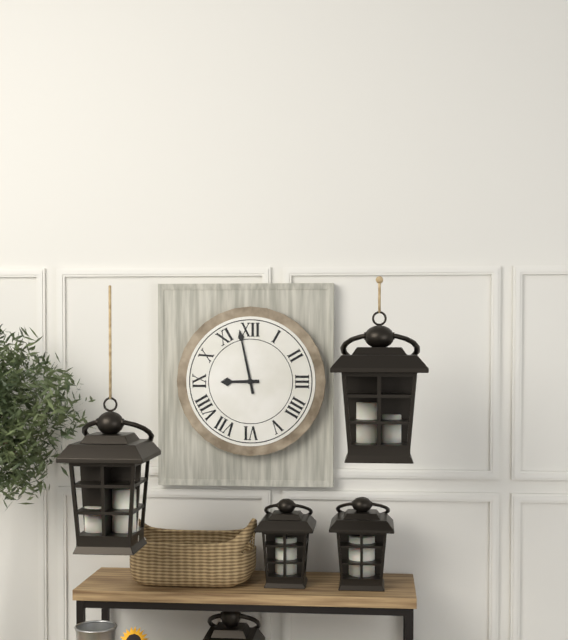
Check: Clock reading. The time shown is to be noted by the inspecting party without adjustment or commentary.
8:58
